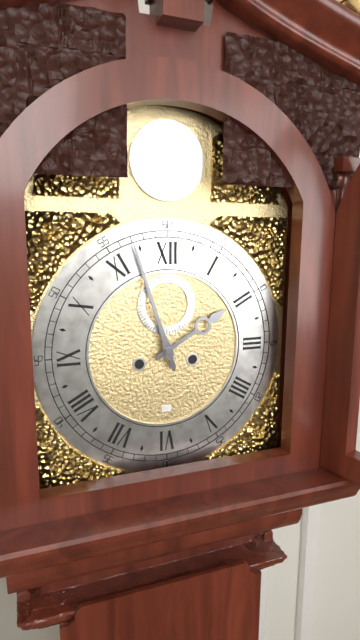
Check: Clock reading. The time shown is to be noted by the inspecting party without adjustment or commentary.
1:57
